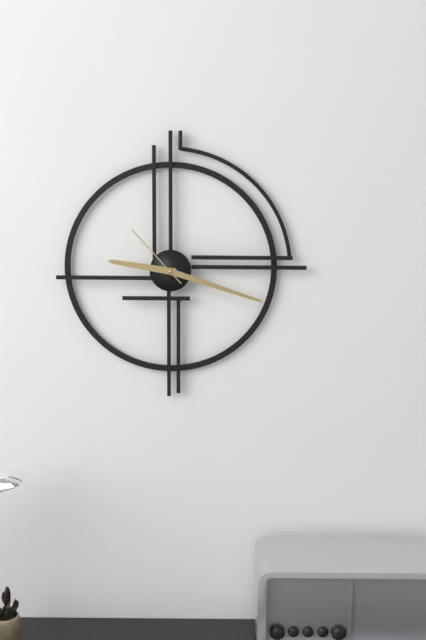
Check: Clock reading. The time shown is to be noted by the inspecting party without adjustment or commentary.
9:18:53
